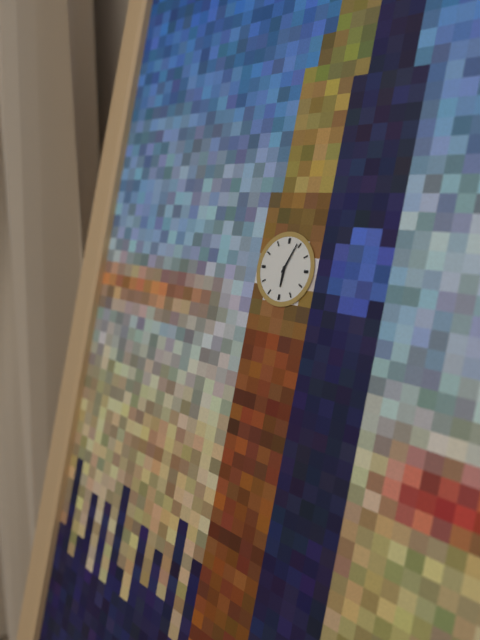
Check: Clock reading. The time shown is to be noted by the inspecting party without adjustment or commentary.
6:04
